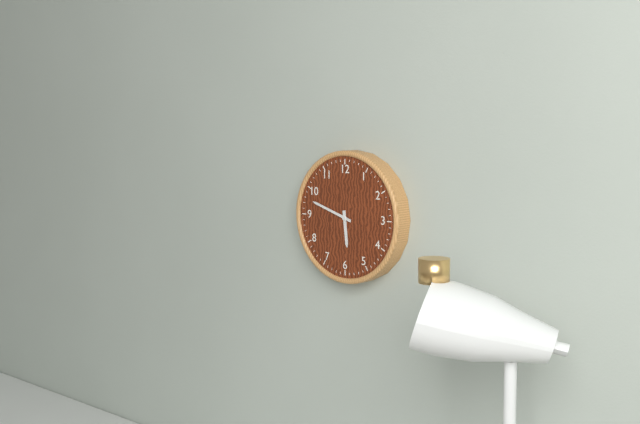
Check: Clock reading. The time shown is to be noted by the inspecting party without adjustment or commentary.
5:48
